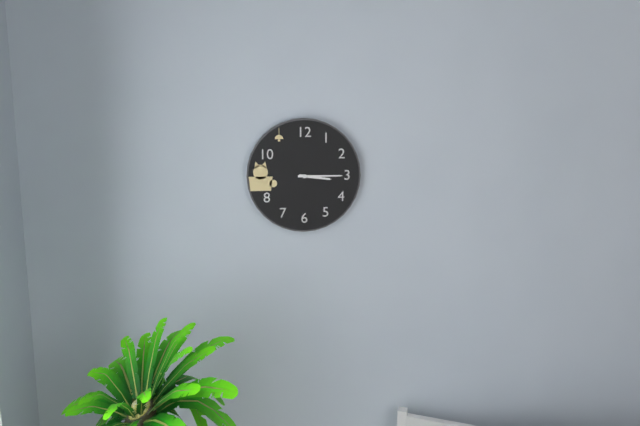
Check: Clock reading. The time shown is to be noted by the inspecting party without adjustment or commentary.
3:15
